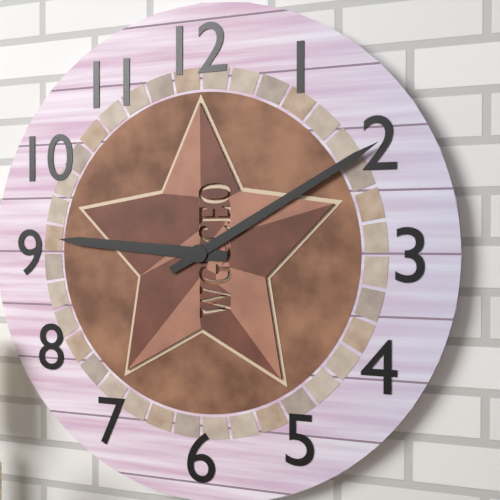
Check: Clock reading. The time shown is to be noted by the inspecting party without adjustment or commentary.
9:10
